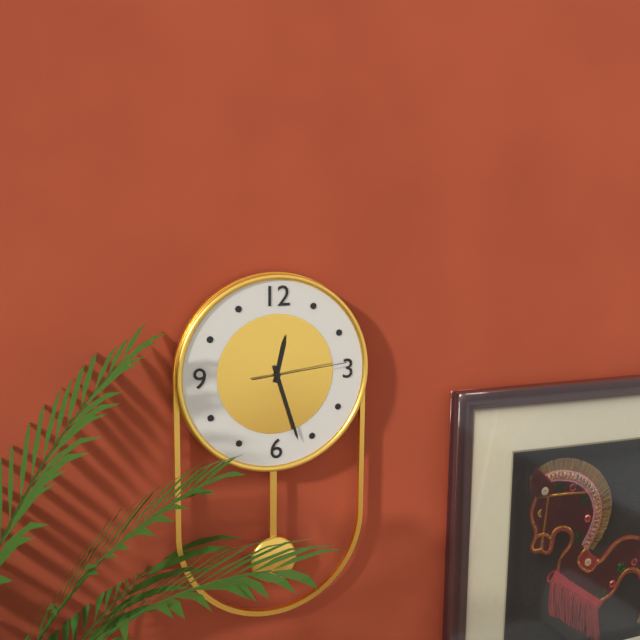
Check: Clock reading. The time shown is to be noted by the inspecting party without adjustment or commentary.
12:27:14
